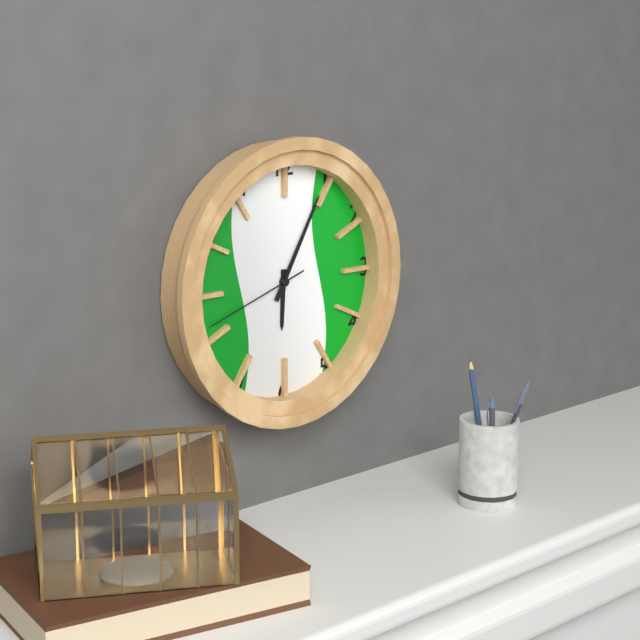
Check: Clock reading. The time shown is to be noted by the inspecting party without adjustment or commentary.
6:05:42
